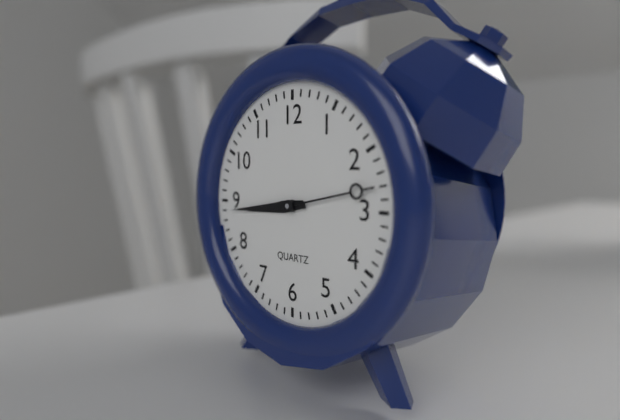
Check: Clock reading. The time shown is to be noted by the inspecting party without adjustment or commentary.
8:44:13
